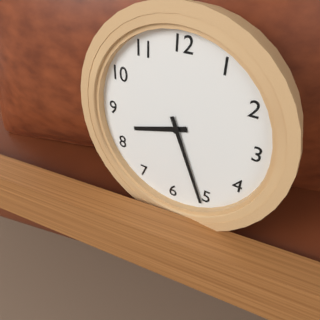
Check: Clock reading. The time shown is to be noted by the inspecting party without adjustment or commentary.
8:26
